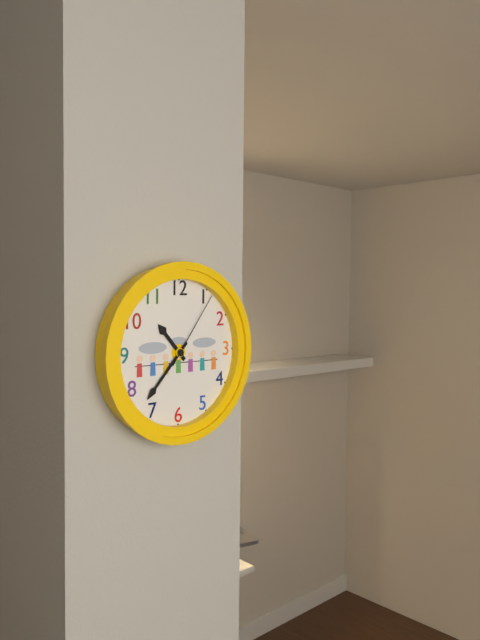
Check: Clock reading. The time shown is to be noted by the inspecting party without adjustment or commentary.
10:37:06
